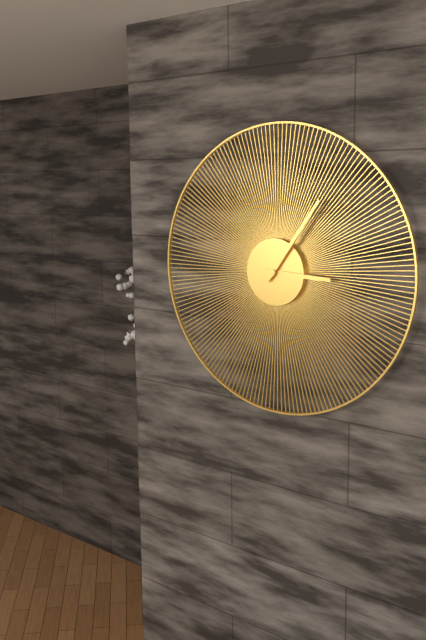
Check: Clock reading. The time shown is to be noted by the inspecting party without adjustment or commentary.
3:06
